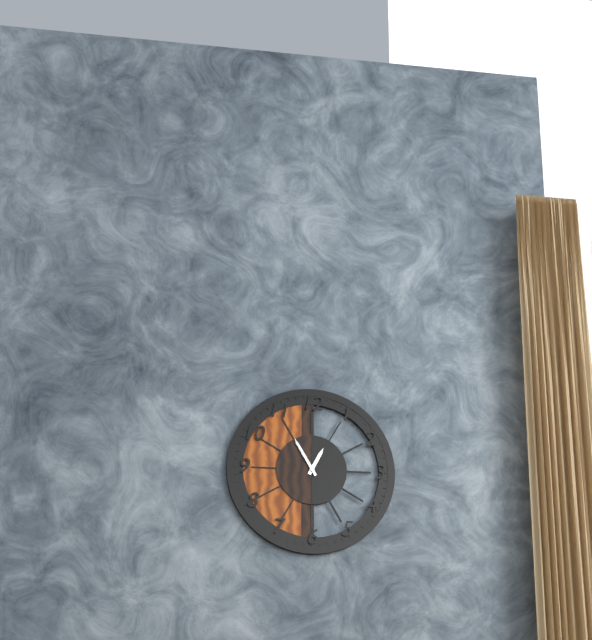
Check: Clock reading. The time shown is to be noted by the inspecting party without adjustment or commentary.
12:55
